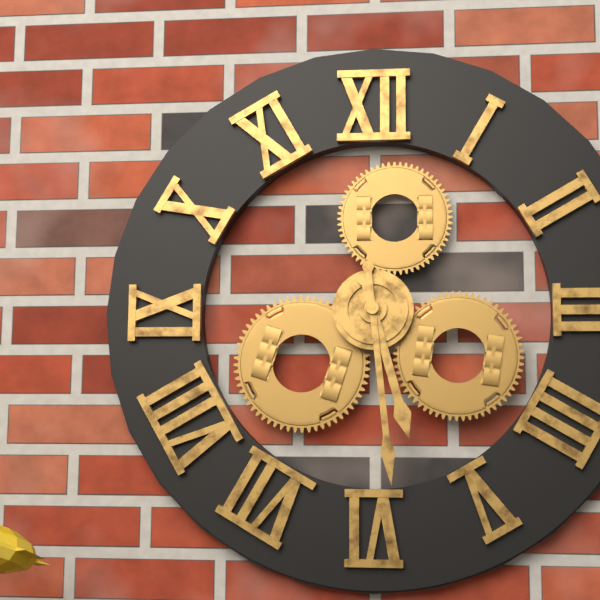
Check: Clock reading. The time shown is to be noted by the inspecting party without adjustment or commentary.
5:29
